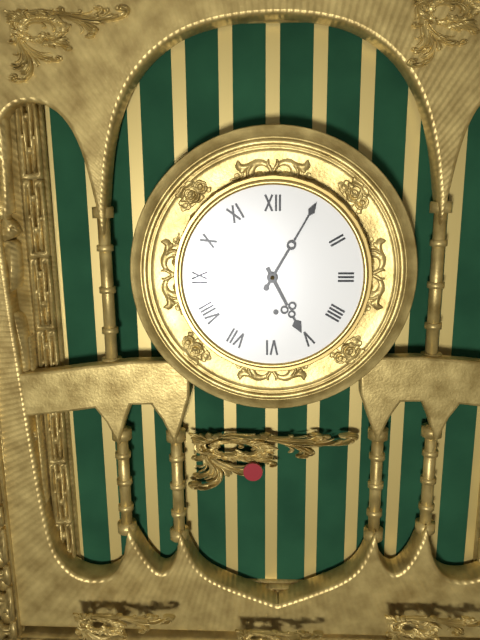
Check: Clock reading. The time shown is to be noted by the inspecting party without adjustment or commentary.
5:05
